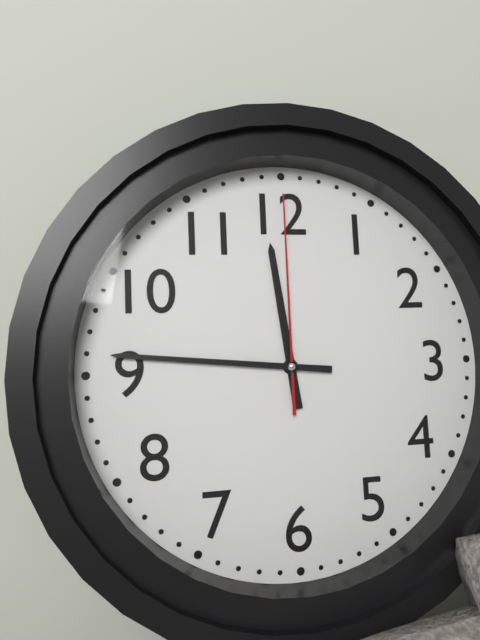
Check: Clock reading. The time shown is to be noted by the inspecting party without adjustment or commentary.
11:46:00
